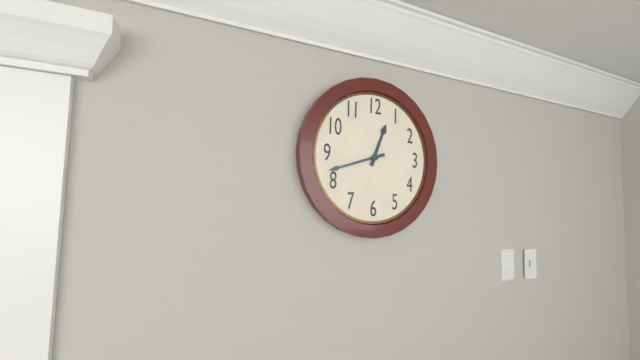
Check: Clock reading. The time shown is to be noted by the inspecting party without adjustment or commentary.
12:42
